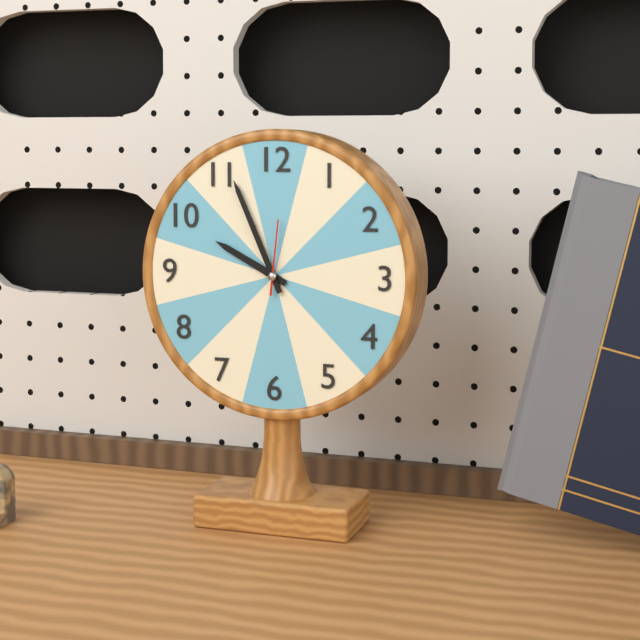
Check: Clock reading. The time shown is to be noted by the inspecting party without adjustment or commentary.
9:56:01
